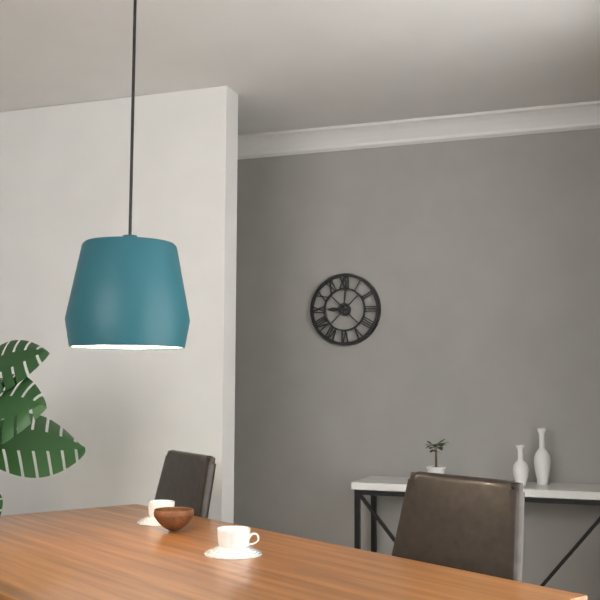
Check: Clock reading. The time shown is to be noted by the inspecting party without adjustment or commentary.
9:01
